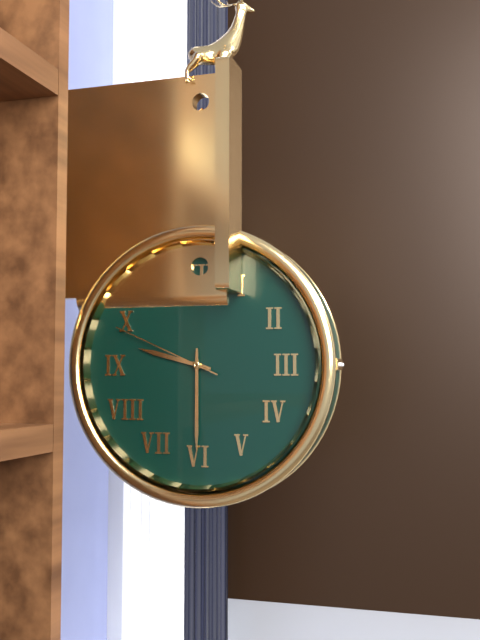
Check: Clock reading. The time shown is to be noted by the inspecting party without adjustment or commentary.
9:30:49
